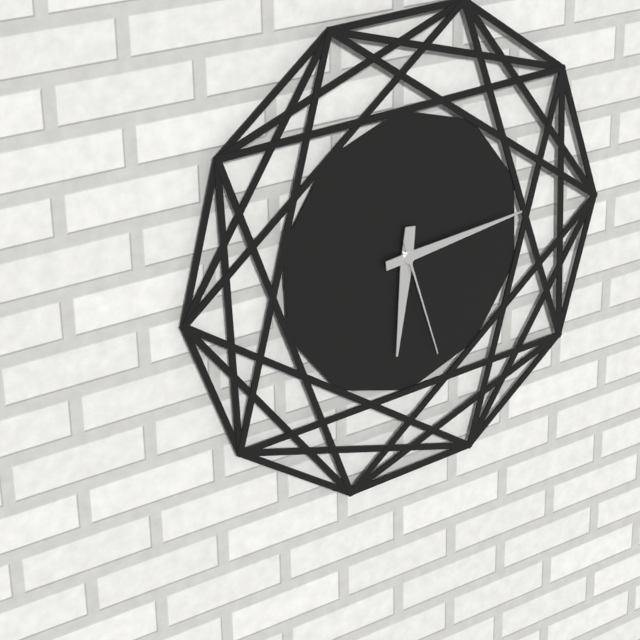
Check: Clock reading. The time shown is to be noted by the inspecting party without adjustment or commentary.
6:14:27
